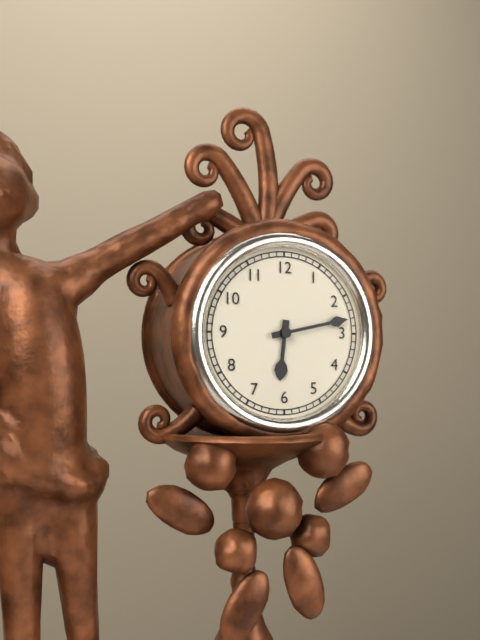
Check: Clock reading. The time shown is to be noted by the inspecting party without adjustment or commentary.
6:13
